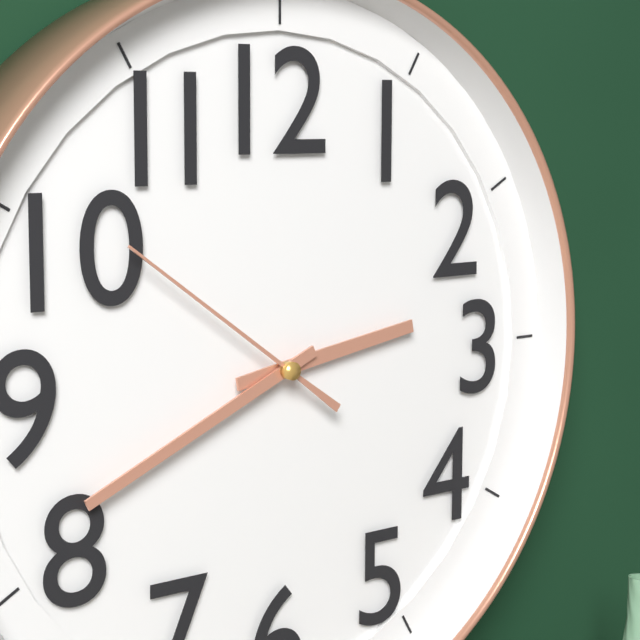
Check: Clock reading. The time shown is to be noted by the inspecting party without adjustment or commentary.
2:41:51
